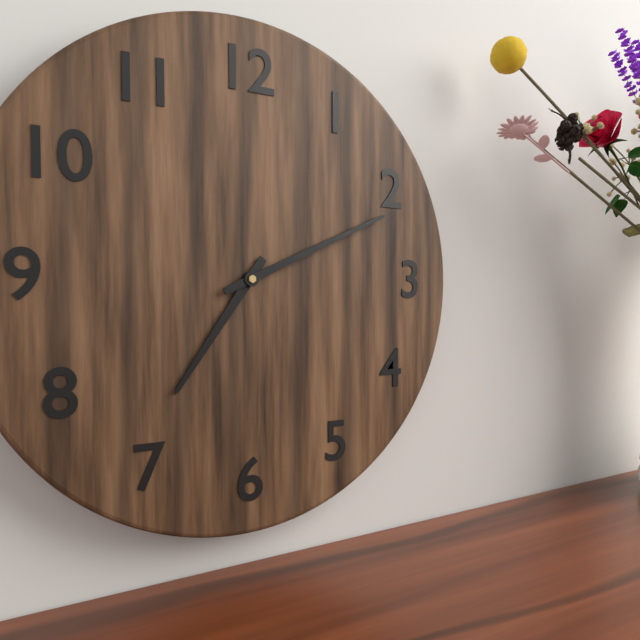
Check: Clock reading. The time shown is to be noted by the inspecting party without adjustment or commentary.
7:11
